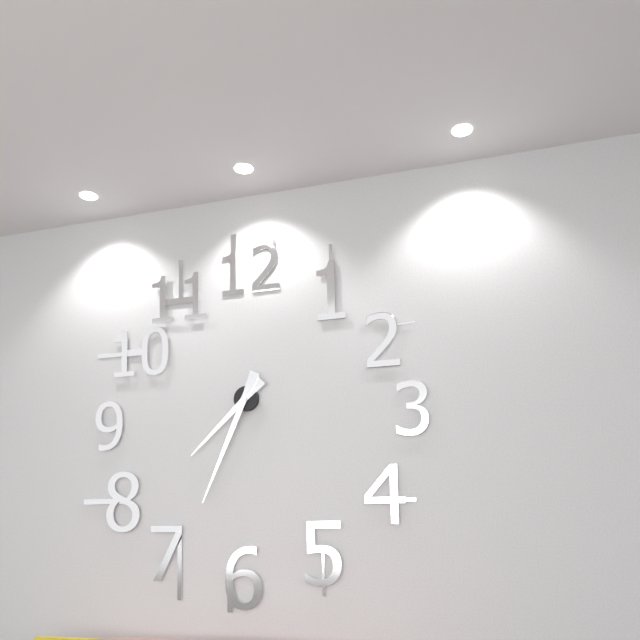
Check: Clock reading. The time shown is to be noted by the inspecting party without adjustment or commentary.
7:34
